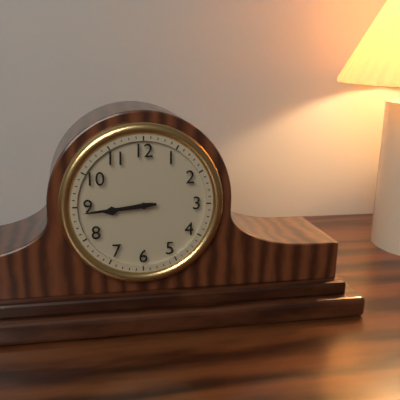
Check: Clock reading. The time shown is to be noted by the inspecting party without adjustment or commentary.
8:44
